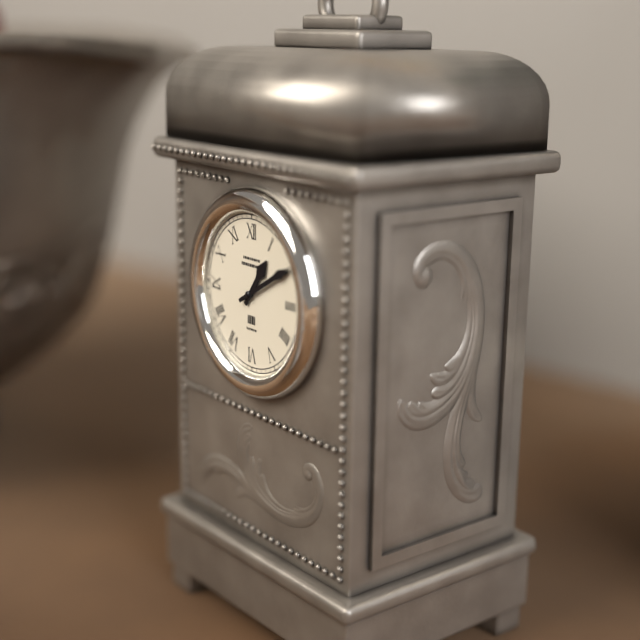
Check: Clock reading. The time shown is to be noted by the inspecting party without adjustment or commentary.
1:10
